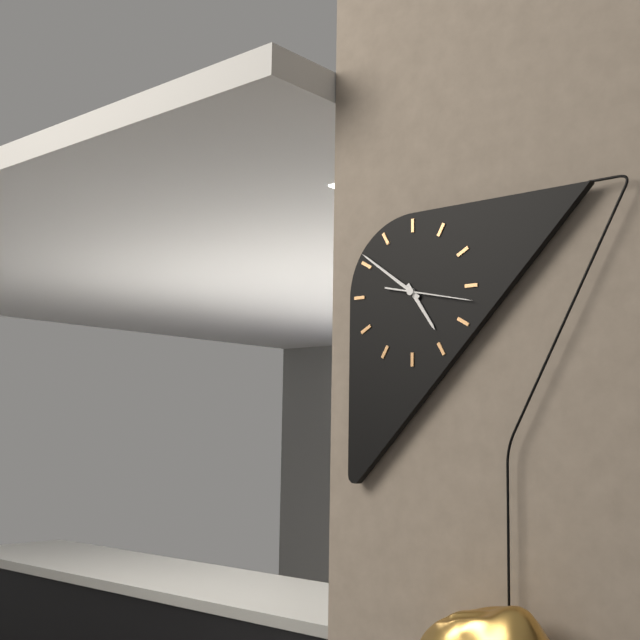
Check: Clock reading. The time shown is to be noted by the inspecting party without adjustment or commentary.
4:51:17
